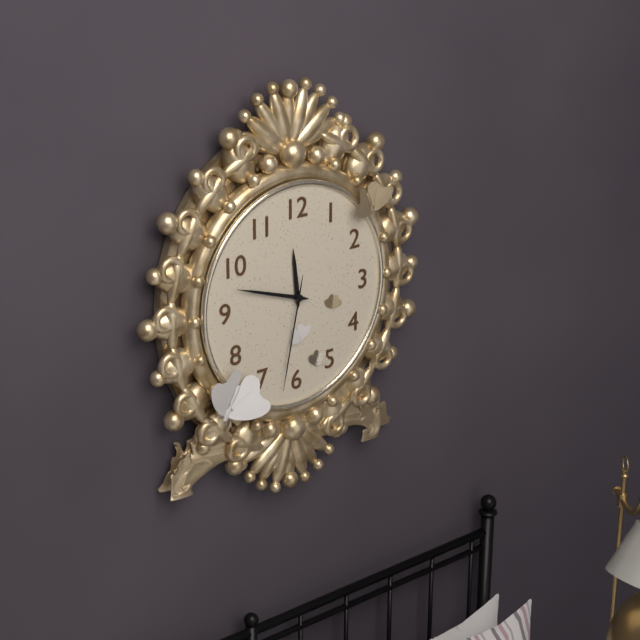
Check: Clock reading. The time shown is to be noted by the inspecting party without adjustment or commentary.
11:48:32
